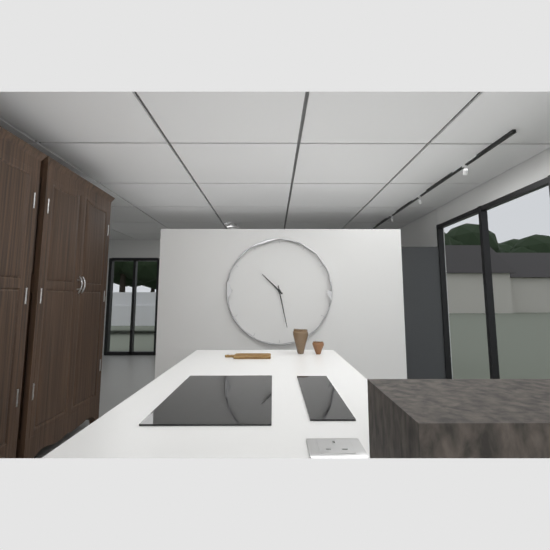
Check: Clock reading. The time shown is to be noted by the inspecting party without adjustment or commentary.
10:28
